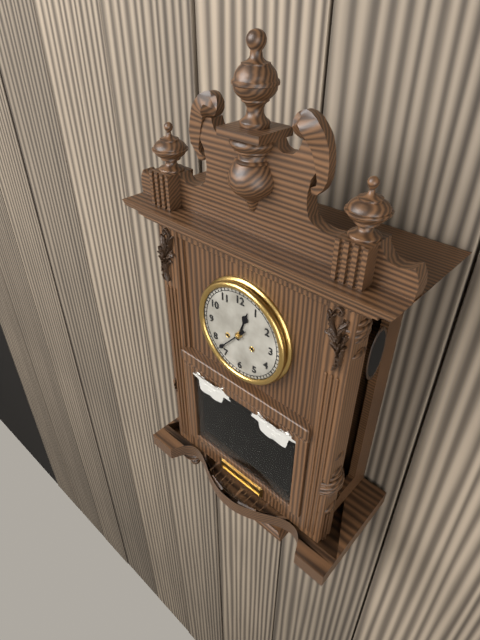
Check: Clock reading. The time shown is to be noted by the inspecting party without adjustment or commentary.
12:37
